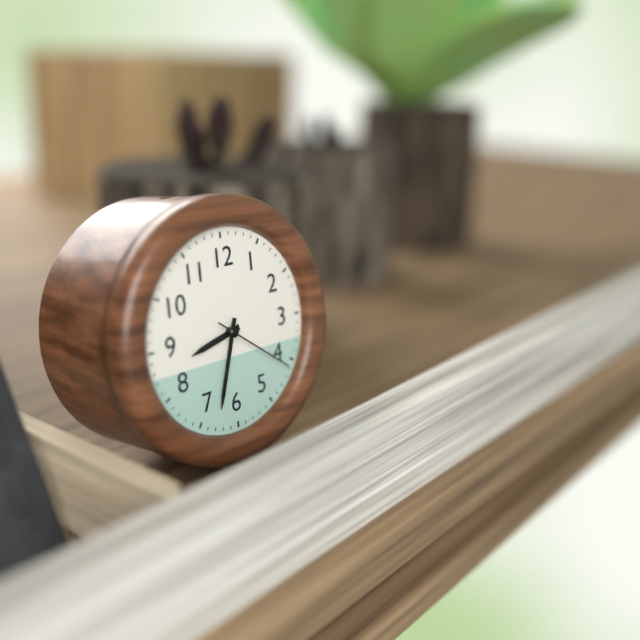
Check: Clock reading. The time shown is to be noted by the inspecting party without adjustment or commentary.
8:33:21
